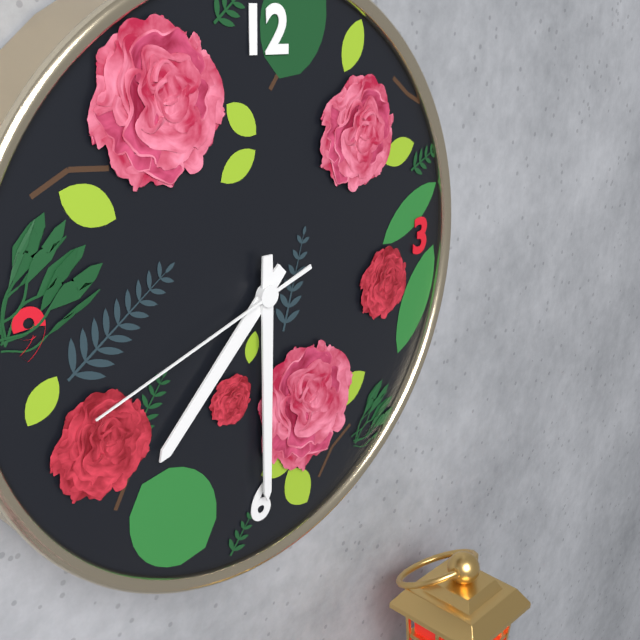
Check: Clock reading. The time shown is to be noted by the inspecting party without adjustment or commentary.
7:30:42
